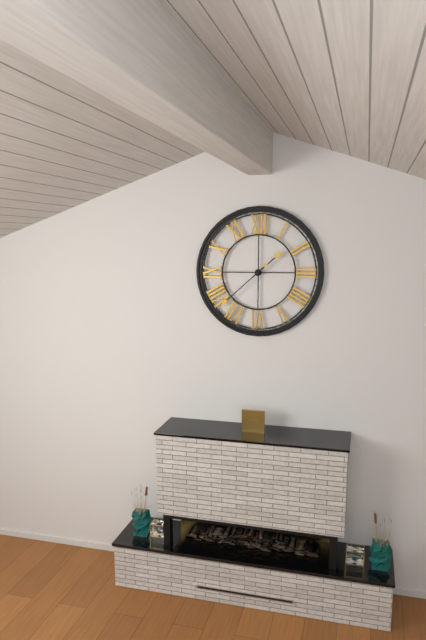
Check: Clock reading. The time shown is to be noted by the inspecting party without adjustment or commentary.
1:38
